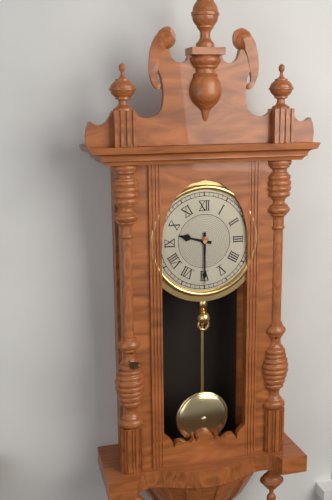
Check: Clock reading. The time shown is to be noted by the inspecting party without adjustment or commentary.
9:30
